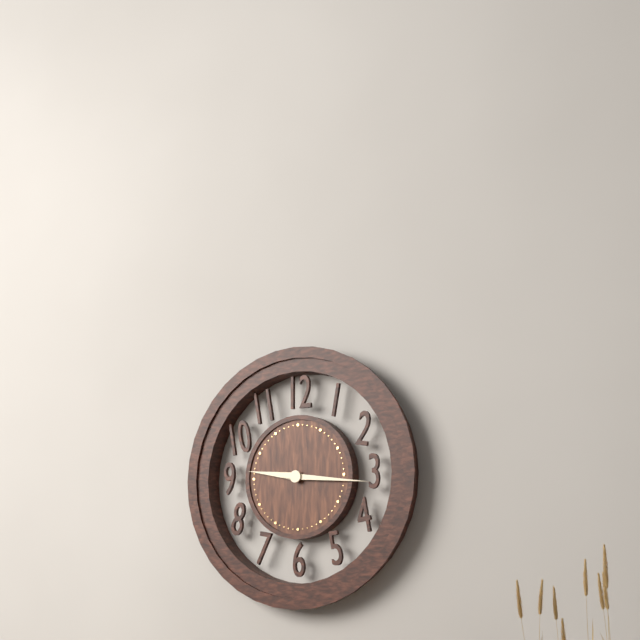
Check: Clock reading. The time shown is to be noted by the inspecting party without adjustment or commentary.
9:16
